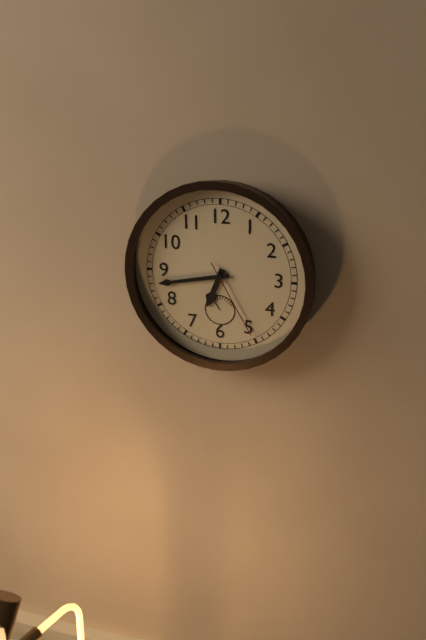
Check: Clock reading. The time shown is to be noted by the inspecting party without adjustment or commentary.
6:43:25
